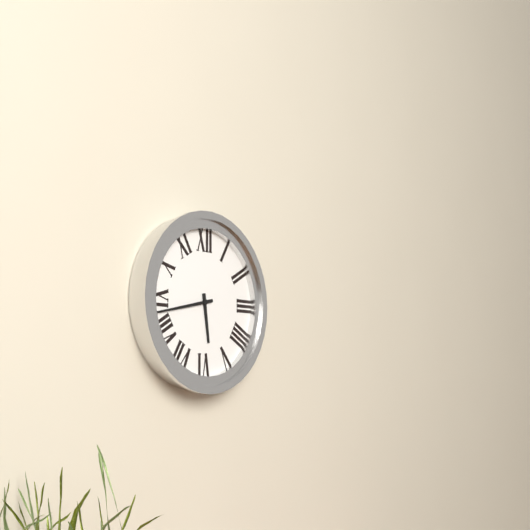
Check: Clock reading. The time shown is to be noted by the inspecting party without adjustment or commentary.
5:43
